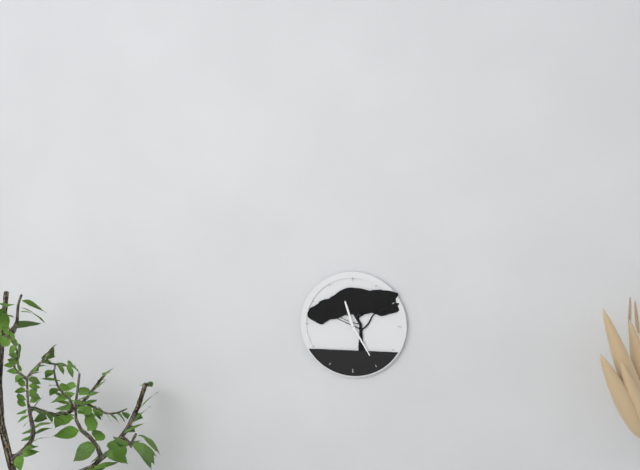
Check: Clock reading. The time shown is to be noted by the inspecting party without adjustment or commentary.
11:25
